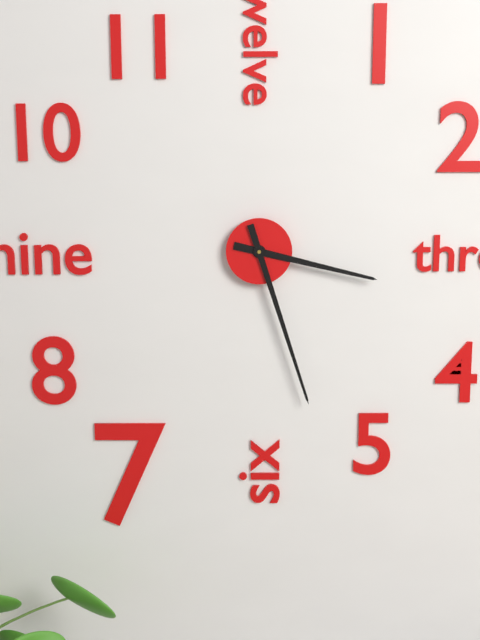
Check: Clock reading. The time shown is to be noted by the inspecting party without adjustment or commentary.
3:27
